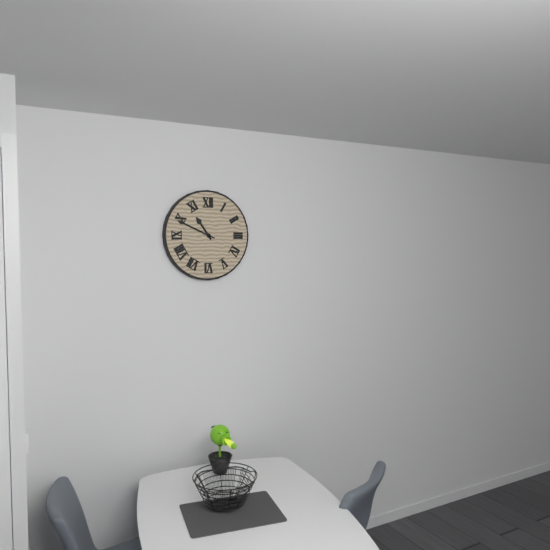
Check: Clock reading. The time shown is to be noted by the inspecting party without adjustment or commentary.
10:49
